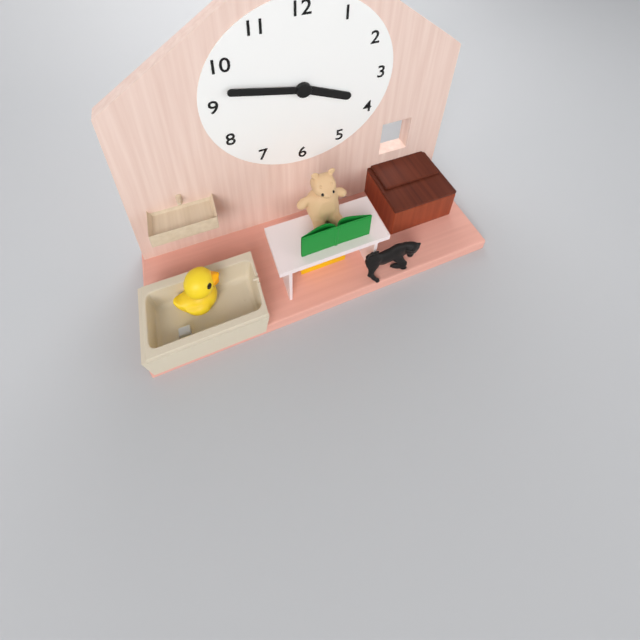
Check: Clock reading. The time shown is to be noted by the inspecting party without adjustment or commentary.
3:47
